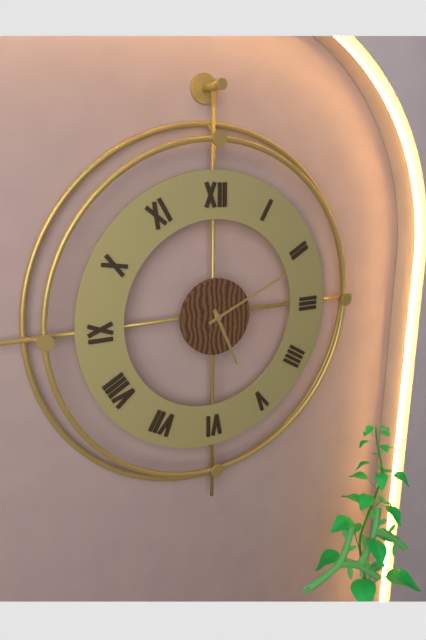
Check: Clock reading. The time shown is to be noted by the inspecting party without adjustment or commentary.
5:11
